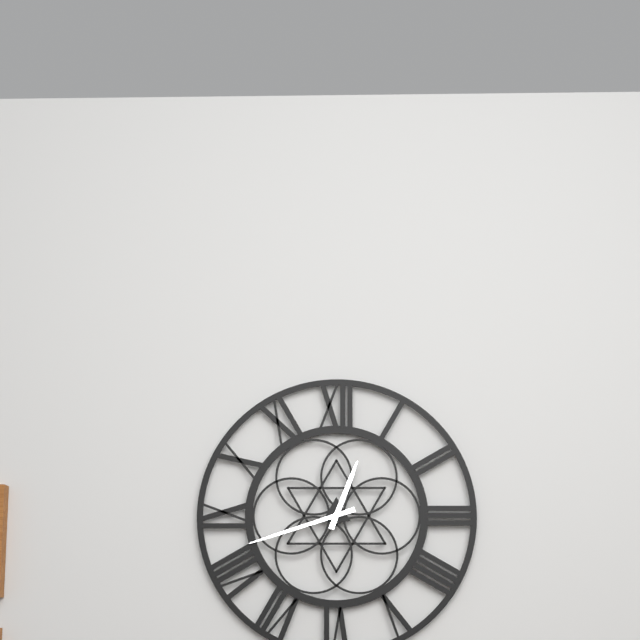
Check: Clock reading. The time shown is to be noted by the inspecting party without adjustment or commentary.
12:42
